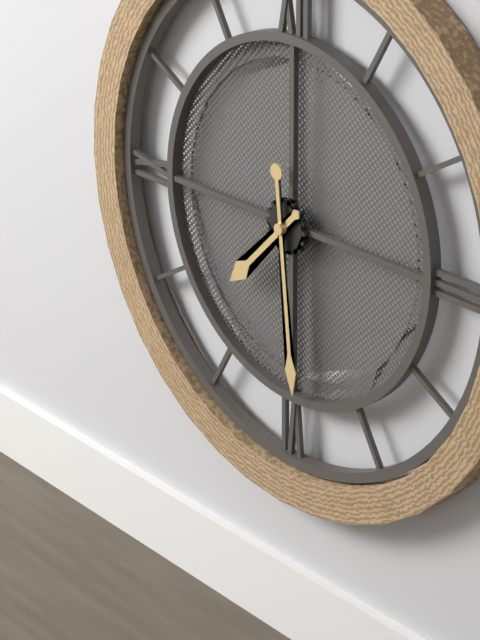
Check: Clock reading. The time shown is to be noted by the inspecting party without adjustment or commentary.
7:29
